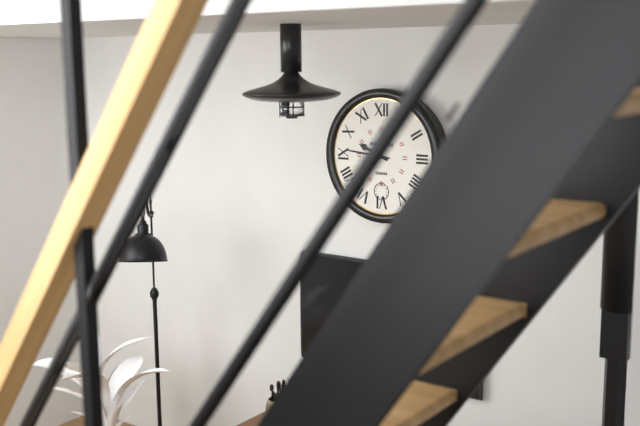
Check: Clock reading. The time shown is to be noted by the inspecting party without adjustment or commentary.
9:46
